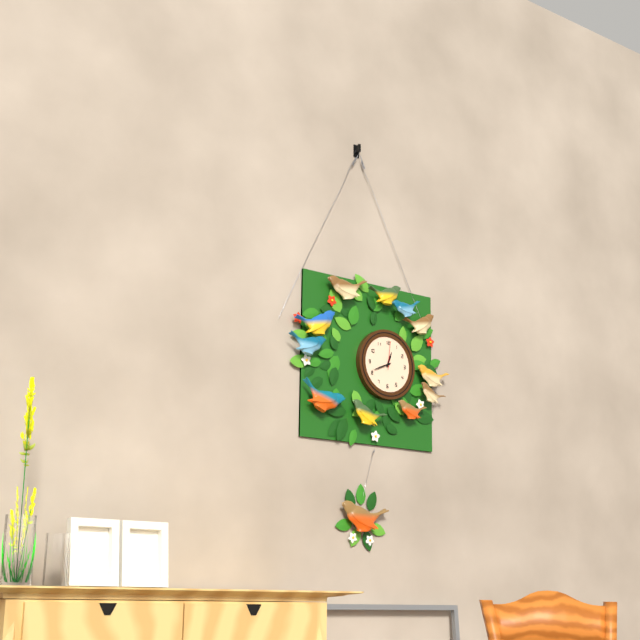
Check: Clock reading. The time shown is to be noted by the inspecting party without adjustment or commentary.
12:41
